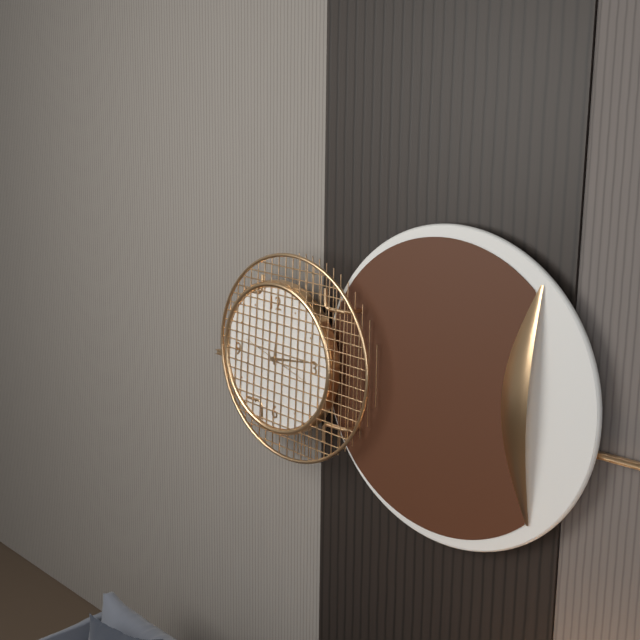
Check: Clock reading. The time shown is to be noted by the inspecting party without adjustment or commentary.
12:14
